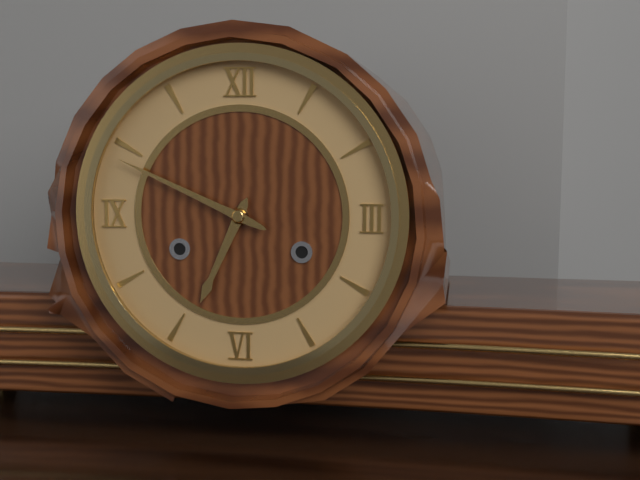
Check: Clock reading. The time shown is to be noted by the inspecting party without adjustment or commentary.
6:49
